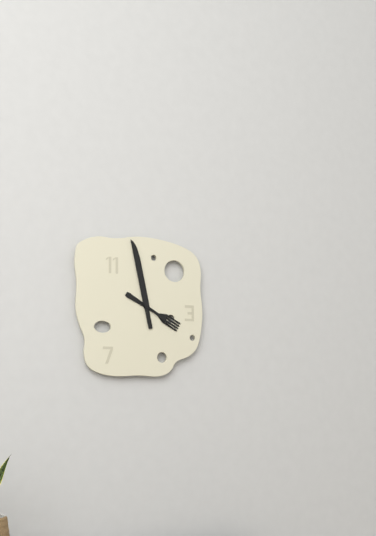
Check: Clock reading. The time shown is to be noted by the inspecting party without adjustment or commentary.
3:58
